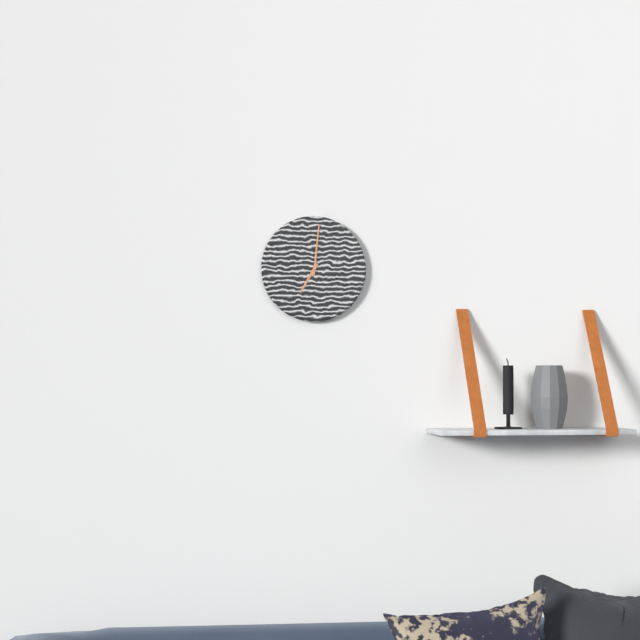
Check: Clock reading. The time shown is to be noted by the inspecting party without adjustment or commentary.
7:01
